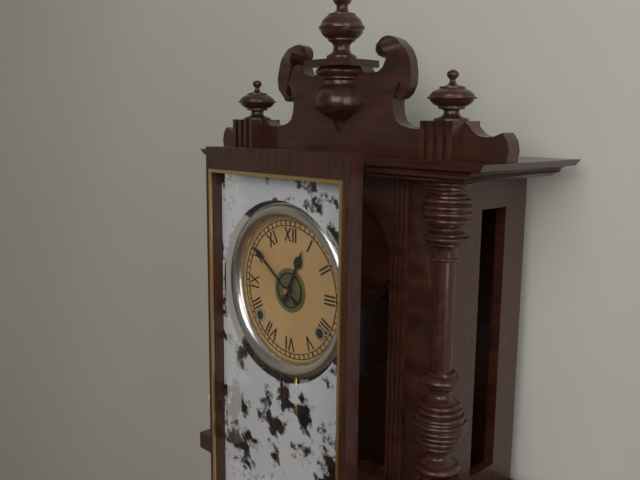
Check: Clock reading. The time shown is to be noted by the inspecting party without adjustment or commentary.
12:51
